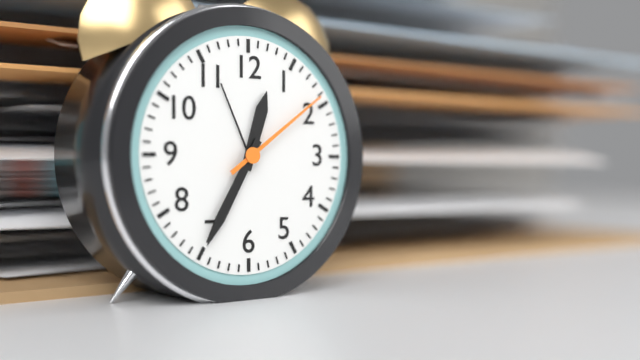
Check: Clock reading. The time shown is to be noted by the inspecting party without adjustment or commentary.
12:35:09
